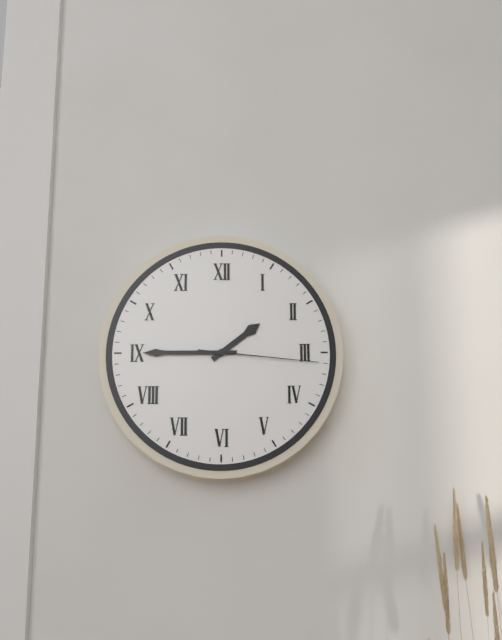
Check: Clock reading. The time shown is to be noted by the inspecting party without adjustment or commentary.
1:45:16
